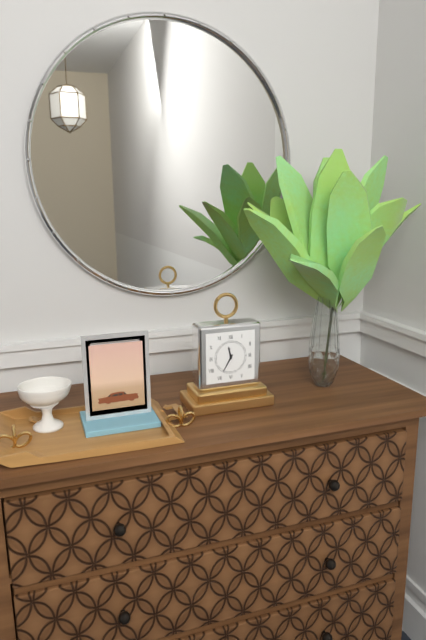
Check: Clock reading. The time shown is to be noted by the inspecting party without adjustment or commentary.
11:35
